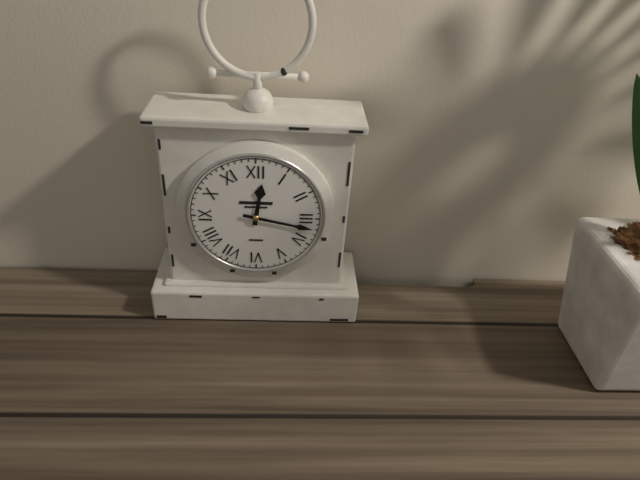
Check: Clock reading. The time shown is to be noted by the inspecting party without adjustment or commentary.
12:17
